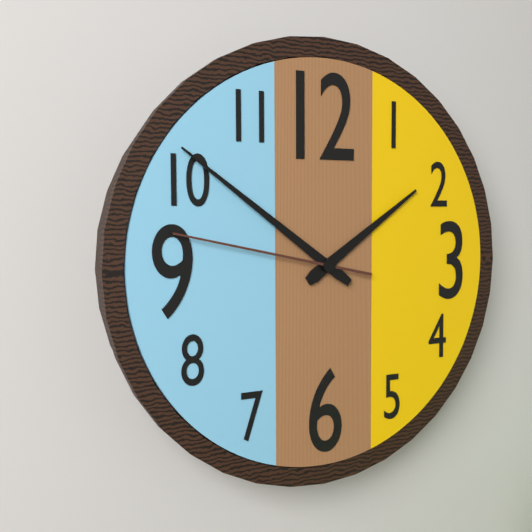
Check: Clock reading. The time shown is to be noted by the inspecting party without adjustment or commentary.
1:51:47
